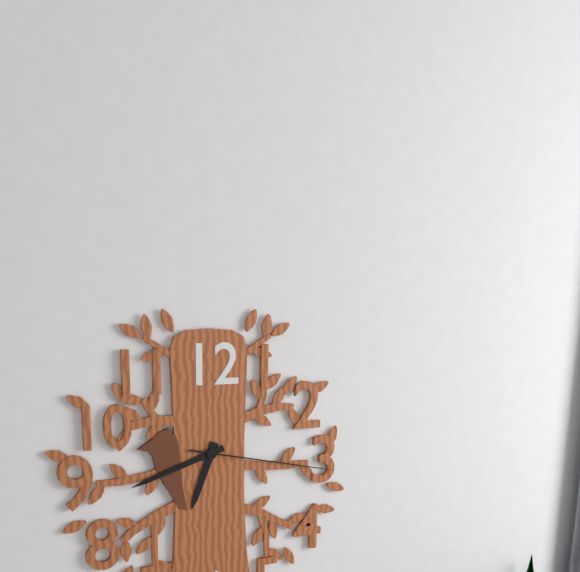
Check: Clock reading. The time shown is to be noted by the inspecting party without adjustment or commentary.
6:42:17
